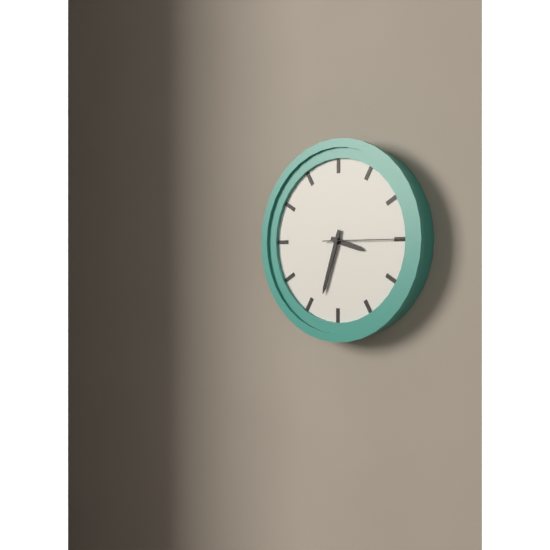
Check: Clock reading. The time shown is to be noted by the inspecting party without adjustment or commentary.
3:33:15
